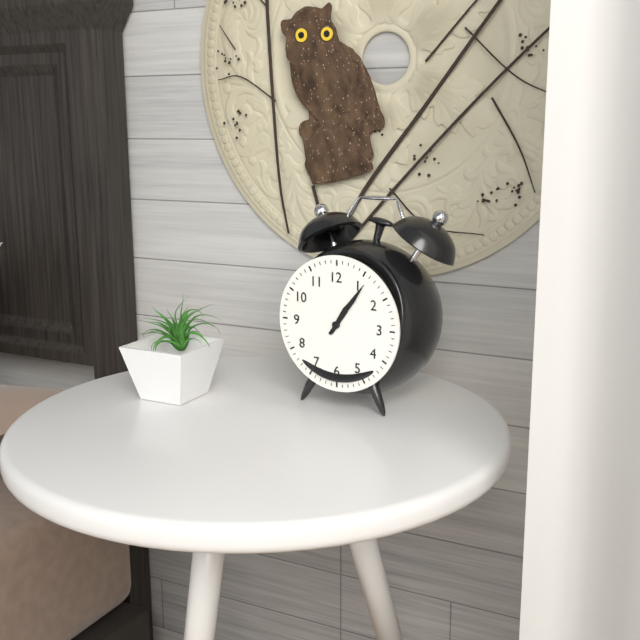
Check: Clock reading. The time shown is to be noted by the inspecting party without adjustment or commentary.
1:06
